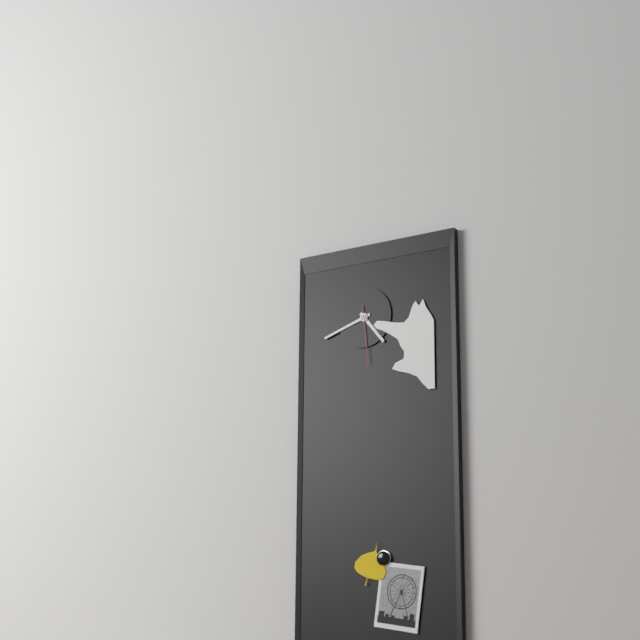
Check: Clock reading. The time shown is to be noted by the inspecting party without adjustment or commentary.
4:42:29
